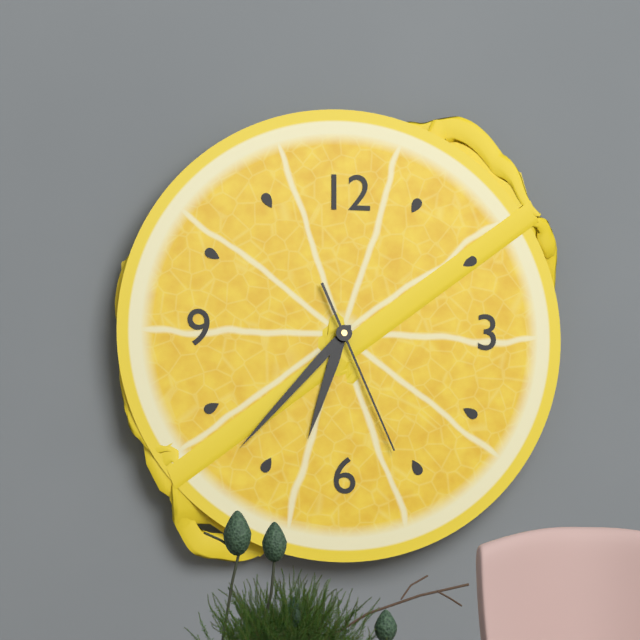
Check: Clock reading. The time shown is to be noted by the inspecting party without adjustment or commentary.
6:37:26
